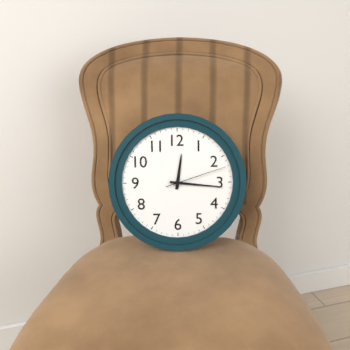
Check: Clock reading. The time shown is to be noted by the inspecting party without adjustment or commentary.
12:16:12
